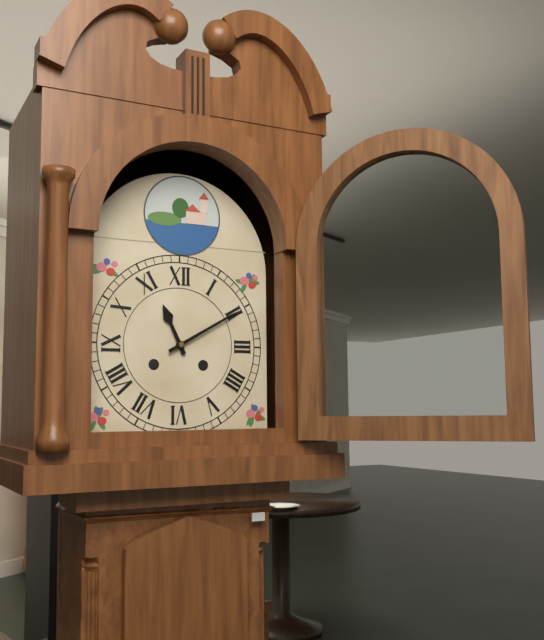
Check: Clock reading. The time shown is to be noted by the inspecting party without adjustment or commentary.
11:10
